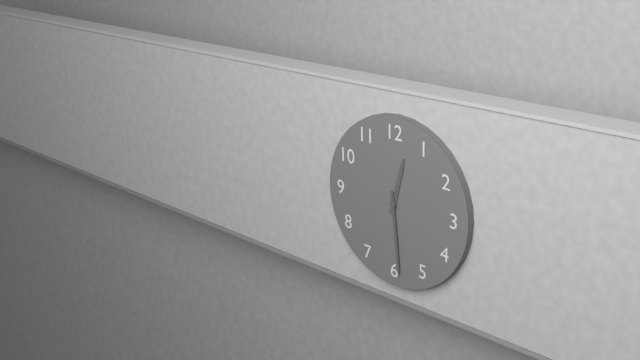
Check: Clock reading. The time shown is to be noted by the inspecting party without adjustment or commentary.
12:29
